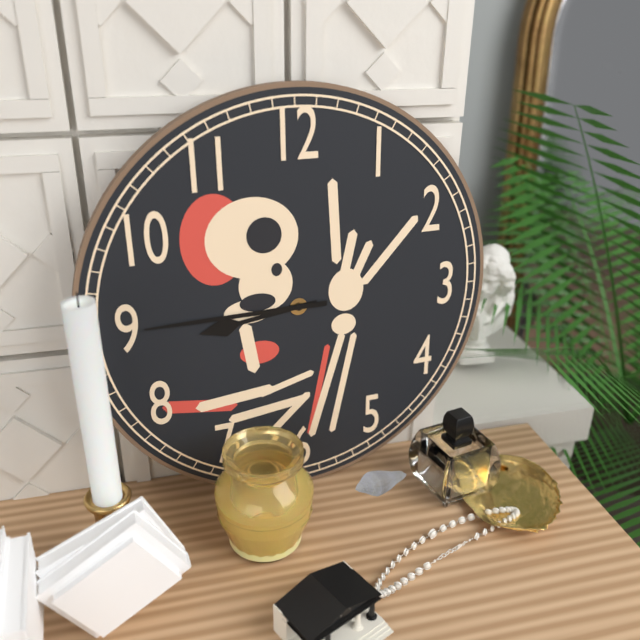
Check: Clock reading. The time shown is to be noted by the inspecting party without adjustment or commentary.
8:45
